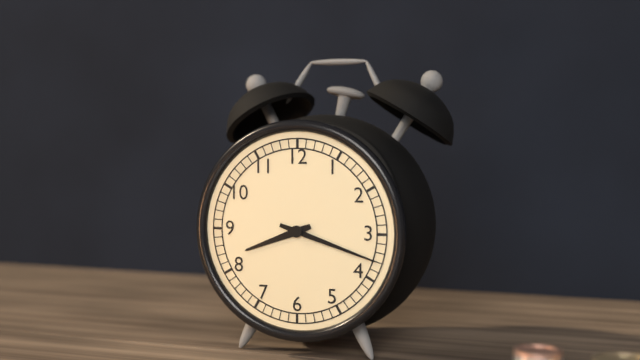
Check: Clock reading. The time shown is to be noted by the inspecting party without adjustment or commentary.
8:18
